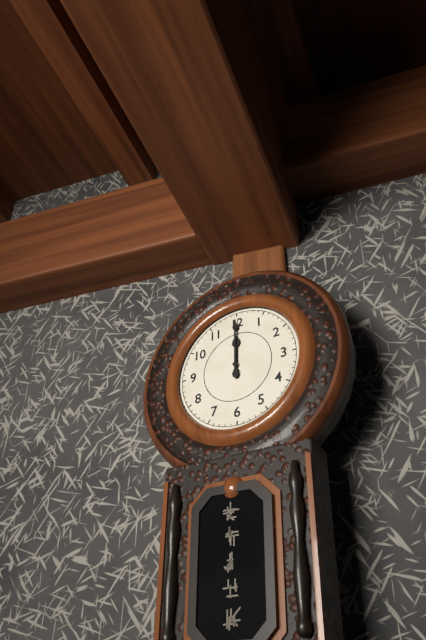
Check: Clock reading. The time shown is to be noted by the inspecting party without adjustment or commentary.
12:00
